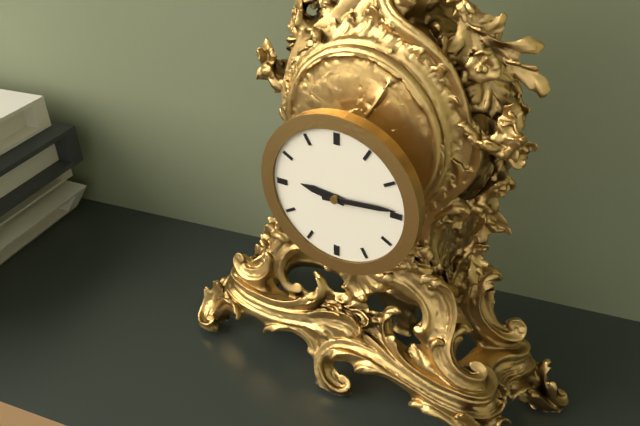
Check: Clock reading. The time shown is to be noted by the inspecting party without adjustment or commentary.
9:14
